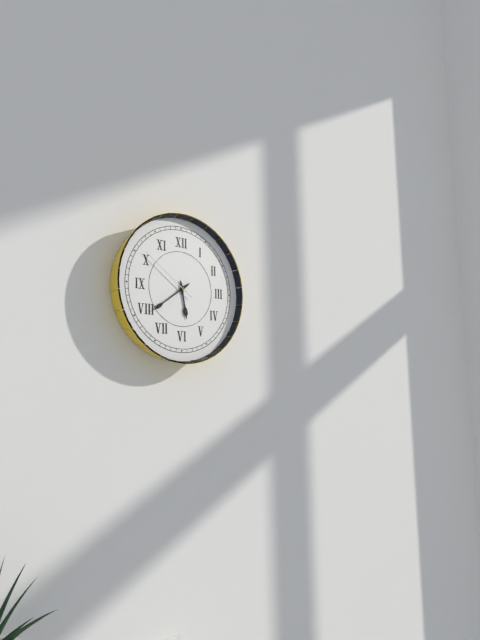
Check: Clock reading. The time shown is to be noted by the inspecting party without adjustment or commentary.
5:39:51
